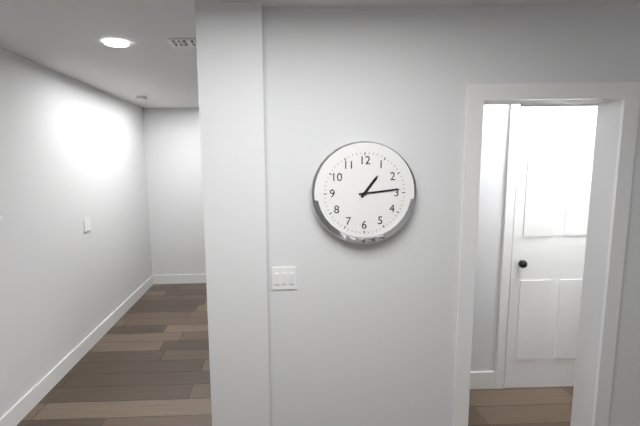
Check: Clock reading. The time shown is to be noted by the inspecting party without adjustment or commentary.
1:14
